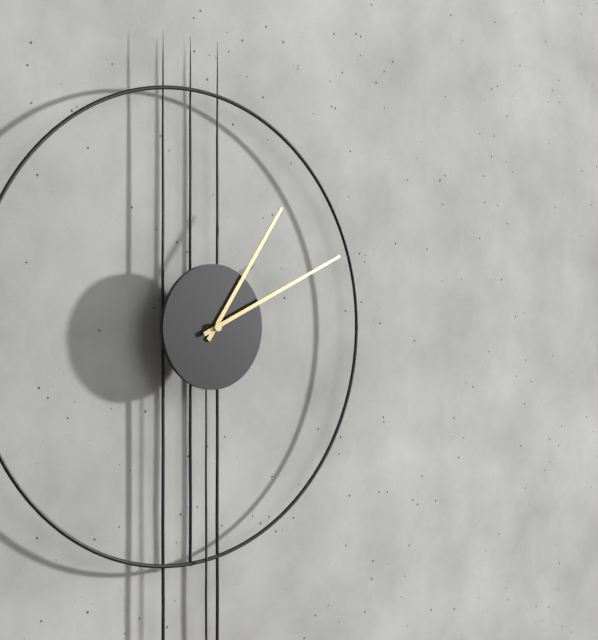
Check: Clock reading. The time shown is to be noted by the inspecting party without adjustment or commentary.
1:11
